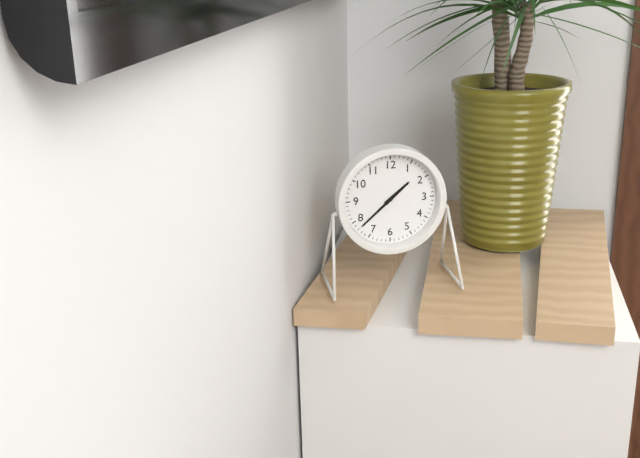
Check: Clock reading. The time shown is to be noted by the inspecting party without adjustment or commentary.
1:38
